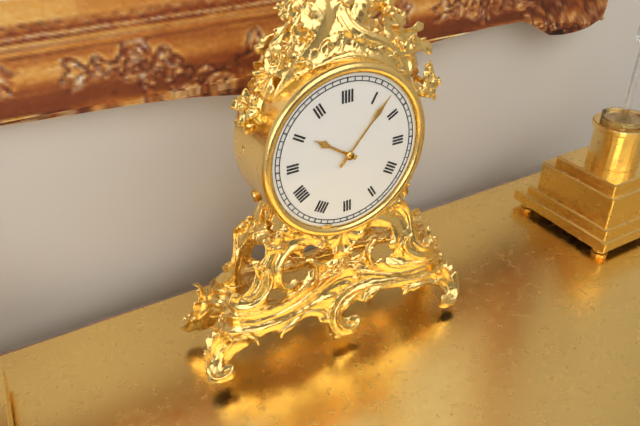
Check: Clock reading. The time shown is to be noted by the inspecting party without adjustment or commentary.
10:07
